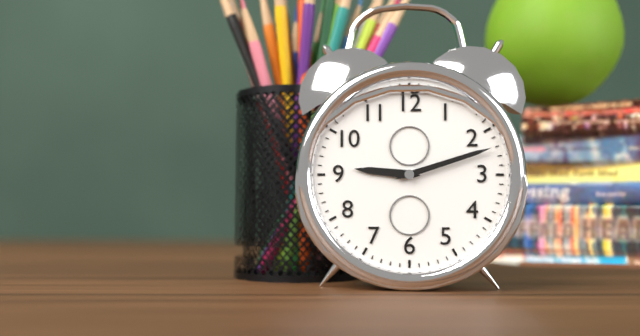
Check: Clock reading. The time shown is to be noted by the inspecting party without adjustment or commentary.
9:12
